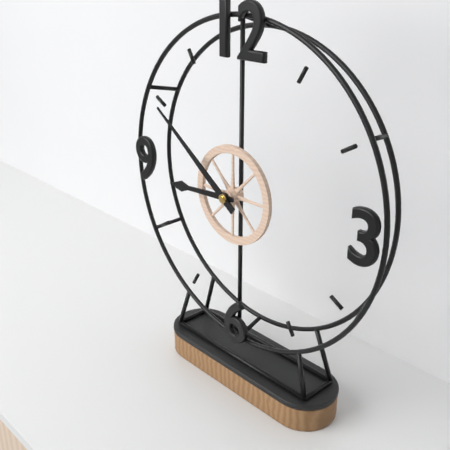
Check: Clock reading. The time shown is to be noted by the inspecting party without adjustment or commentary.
8:51
